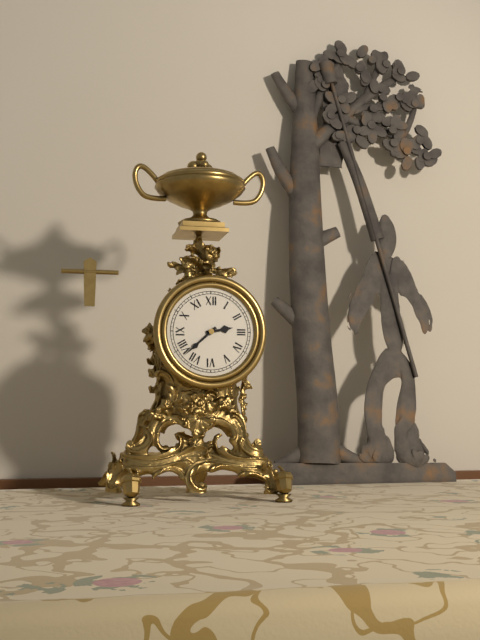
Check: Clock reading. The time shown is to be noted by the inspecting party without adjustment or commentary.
2:38
